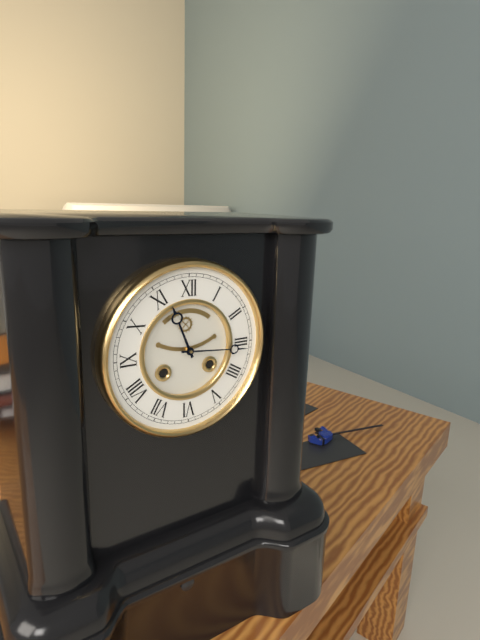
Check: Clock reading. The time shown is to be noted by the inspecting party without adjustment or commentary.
11:16
